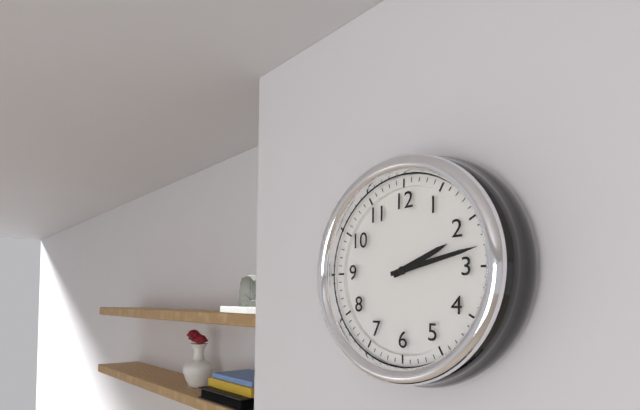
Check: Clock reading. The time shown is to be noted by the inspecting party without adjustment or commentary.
2:13
